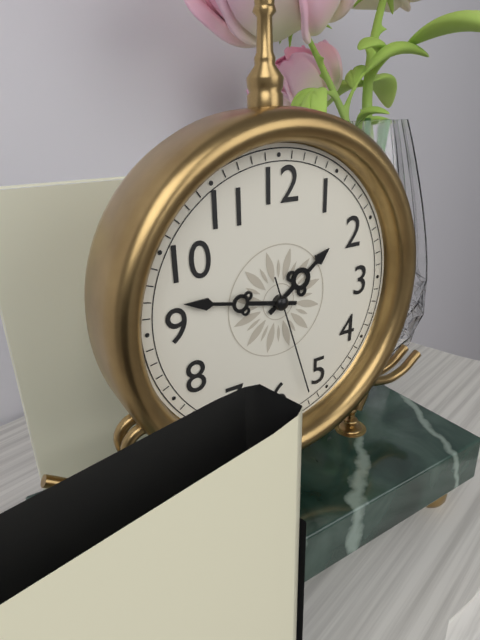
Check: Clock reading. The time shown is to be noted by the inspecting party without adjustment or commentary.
1:47:27
